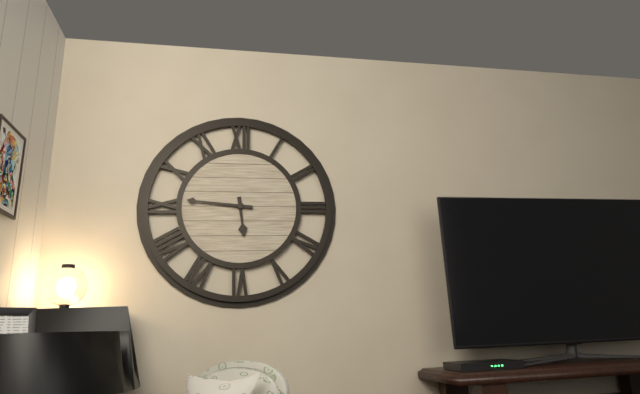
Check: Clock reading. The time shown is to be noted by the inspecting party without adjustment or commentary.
5:46
